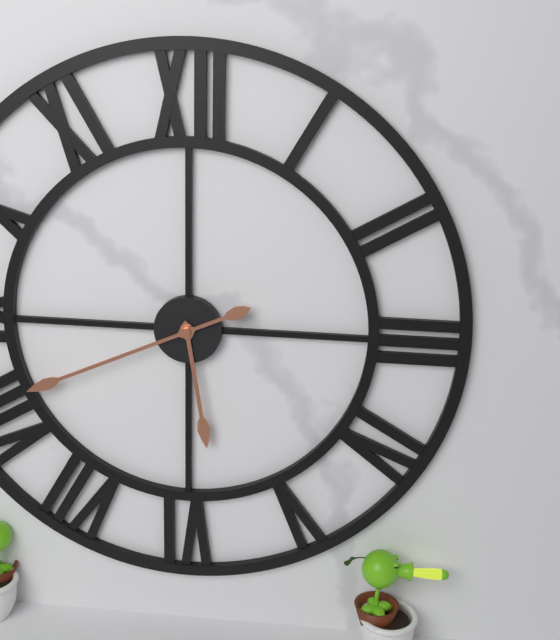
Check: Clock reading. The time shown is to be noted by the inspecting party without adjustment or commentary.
5:41
